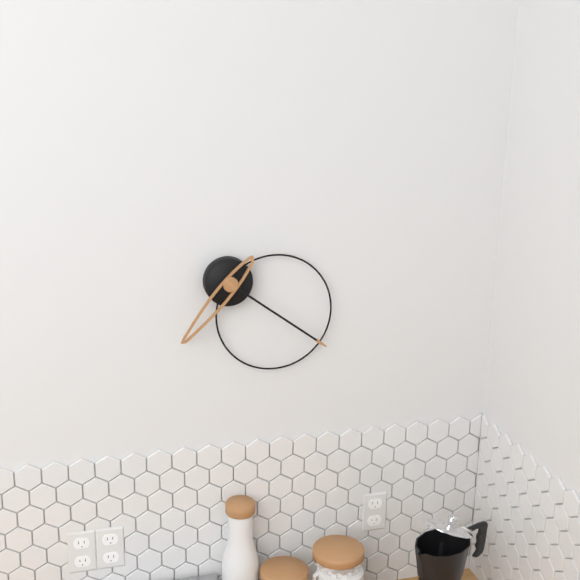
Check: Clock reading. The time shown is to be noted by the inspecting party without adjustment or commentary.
7:21
